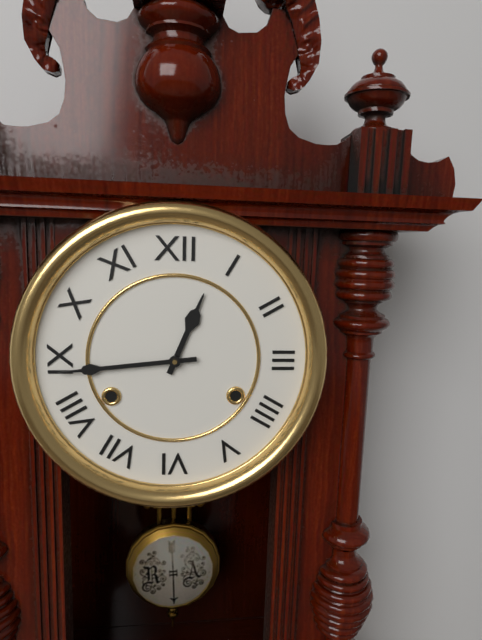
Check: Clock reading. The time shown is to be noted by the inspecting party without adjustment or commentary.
12:44
